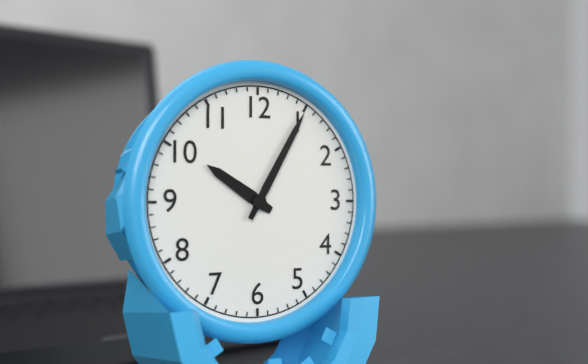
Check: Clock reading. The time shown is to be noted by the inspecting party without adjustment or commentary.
10:05
